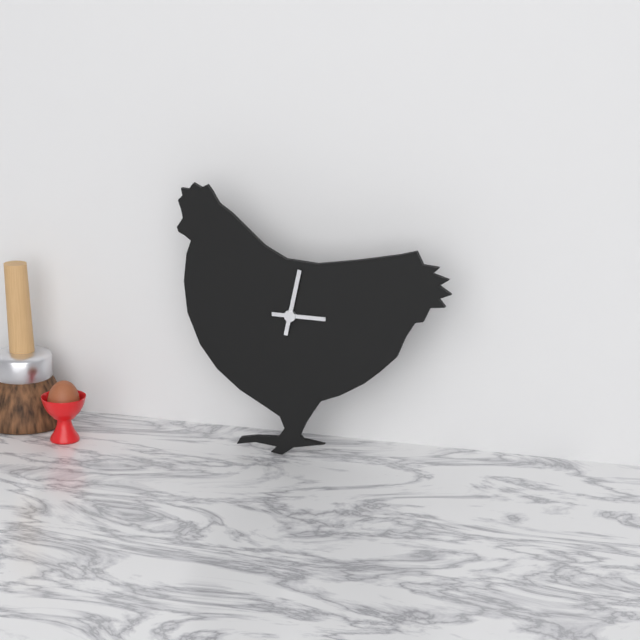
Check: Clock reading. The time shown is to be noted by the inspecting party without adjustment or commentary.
3:02
